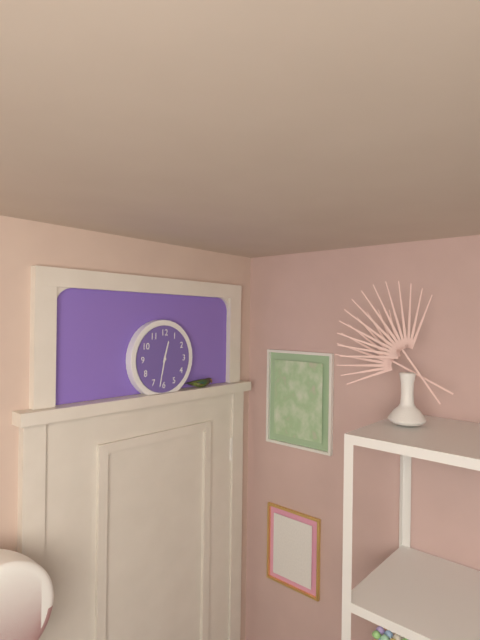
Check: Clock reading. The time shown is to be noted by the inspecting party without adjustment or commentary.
12:32
